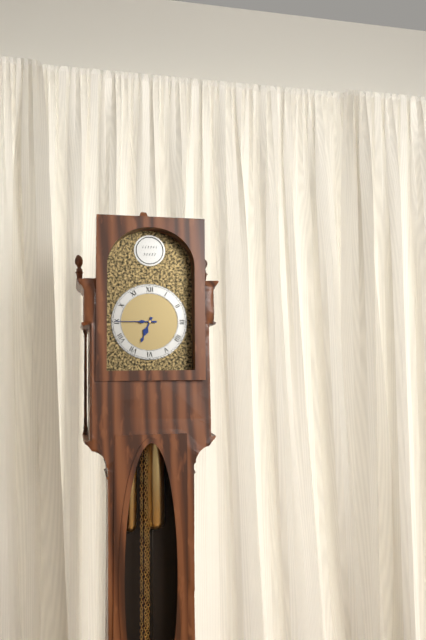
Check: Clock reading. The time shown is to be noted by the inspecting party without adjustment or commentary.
6:45
